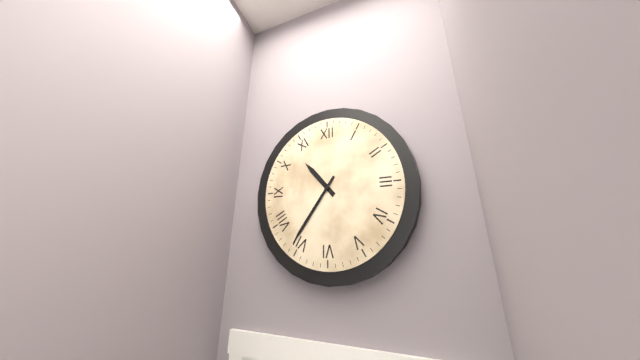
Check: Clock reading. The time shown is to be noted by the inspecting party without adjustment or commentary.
10:36
